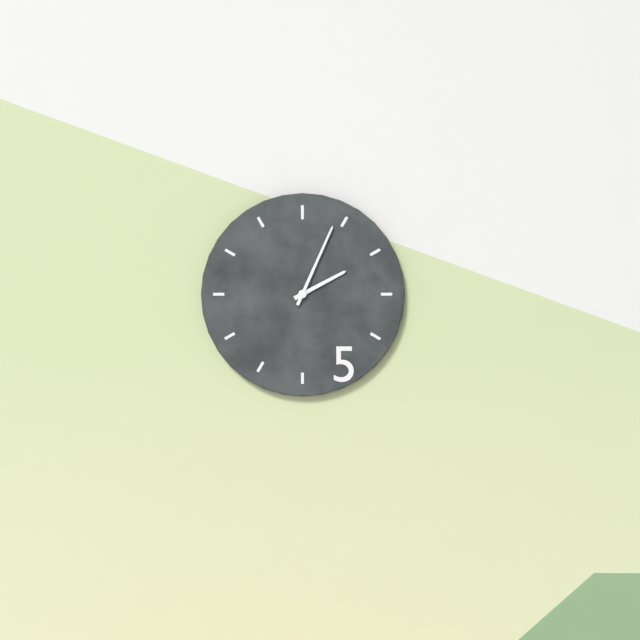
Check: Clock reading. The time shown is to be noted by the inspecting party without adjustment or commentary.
2:04
